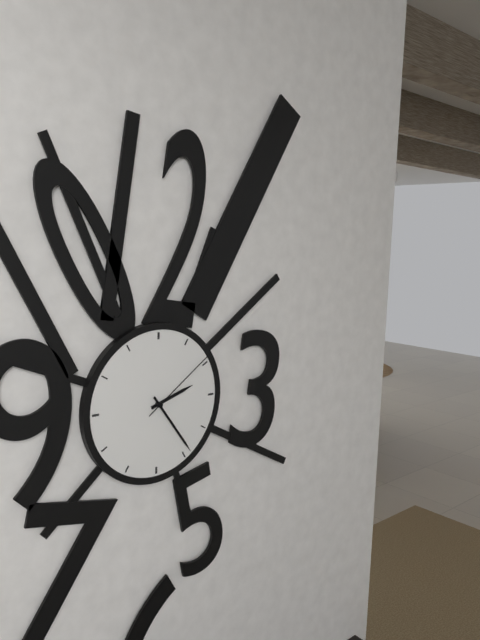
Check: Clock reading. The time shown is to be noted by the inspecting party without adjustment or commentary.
2:24:09
